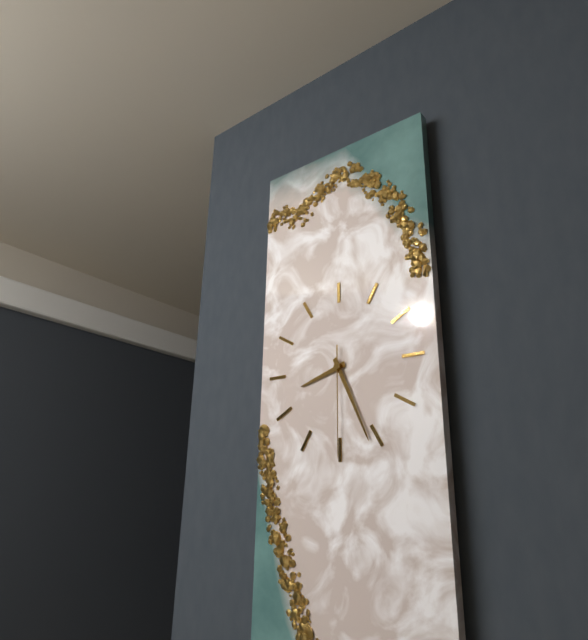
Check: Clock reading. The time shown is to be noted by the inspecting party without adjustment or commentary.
8:26:30
